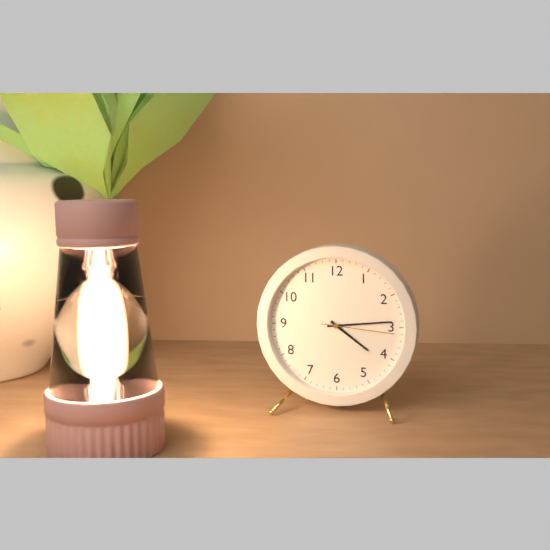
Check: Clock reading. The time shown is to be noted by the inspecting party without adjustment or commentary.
4:14:16
